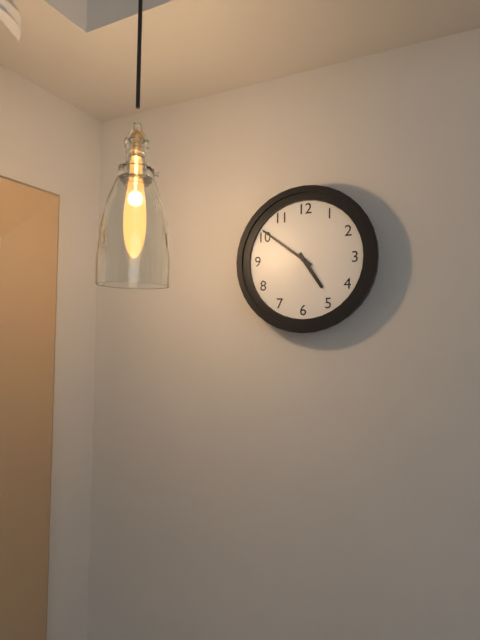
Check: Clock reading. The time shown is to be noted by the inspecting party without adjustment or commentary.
4:51
